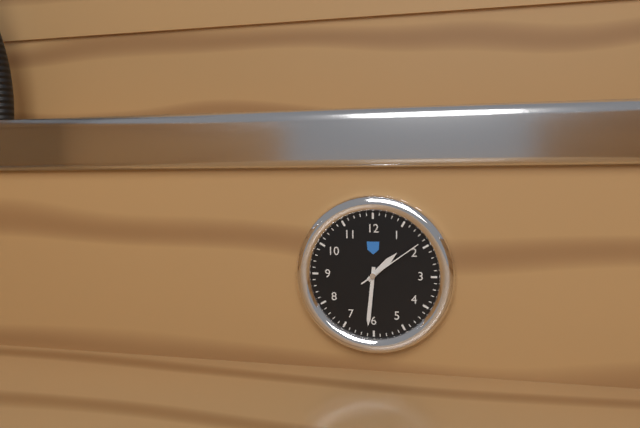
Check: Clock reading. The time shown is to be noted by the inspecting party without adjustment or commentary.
1:31:09
